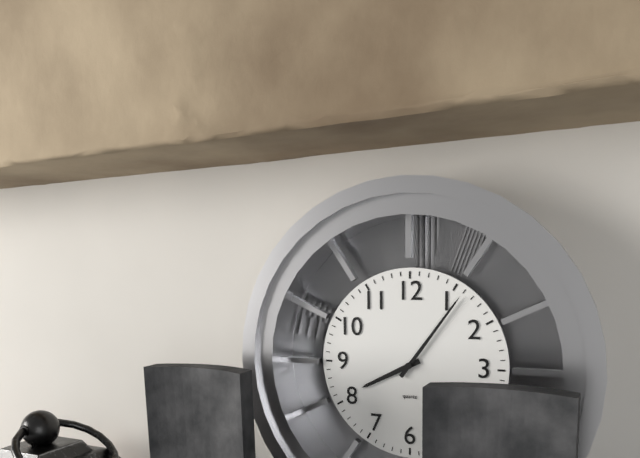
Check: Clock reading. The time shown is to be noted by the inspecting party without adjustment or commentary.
8:06
